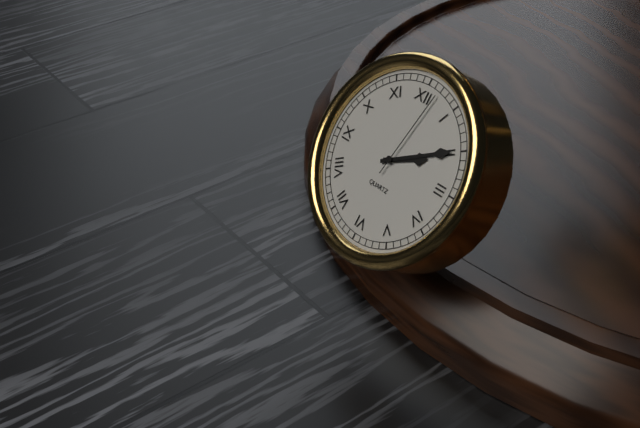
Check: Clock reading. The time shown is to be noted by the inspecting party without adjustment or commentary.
2:10:02
